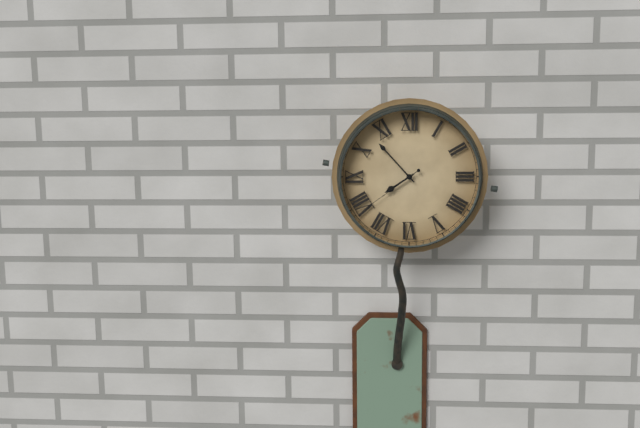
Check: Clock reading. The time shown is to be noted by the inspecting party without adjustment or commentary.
7:53:39
